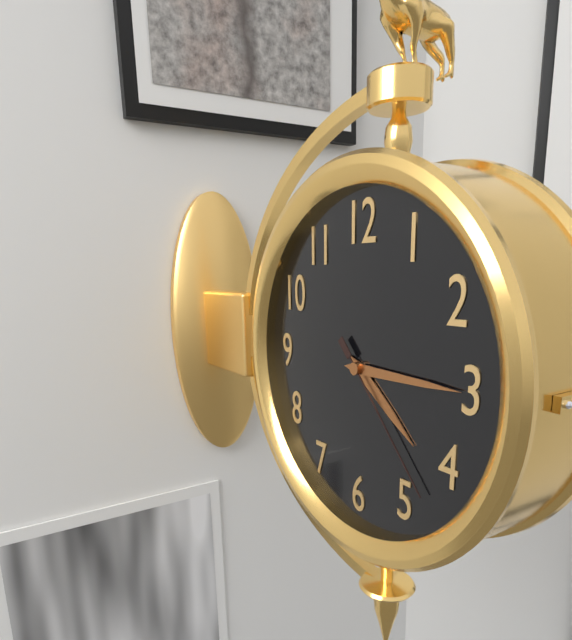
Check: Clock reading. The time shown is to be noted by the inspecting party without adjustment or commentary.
4:15:23
